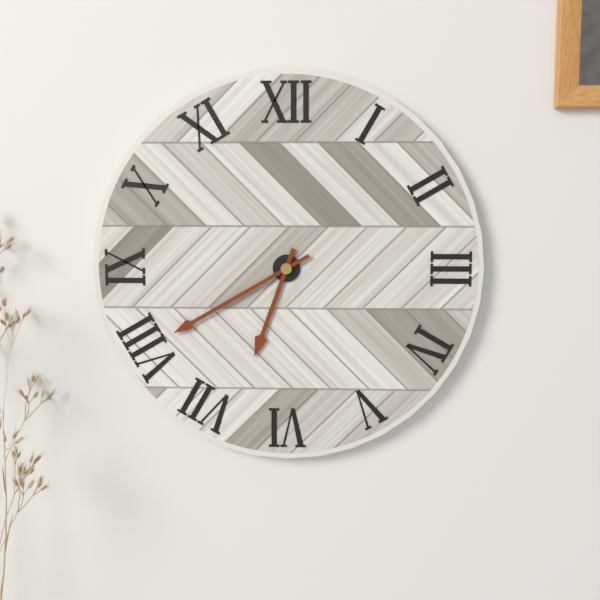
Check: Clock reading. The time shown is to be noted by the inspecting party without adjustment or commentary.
6:40
